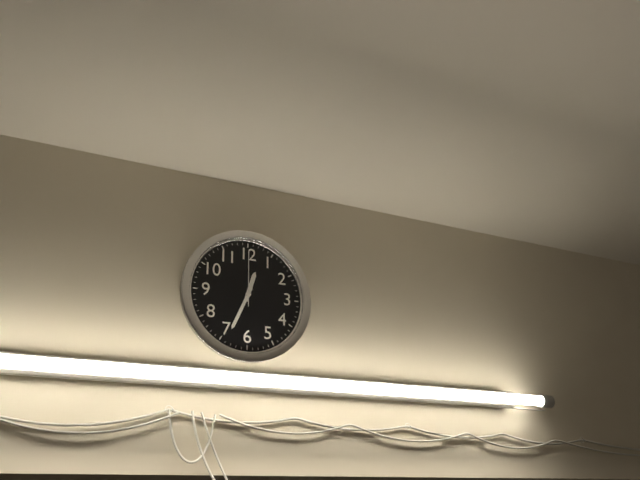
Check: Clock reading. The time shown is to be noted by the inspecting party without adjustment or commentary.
12:34:00
